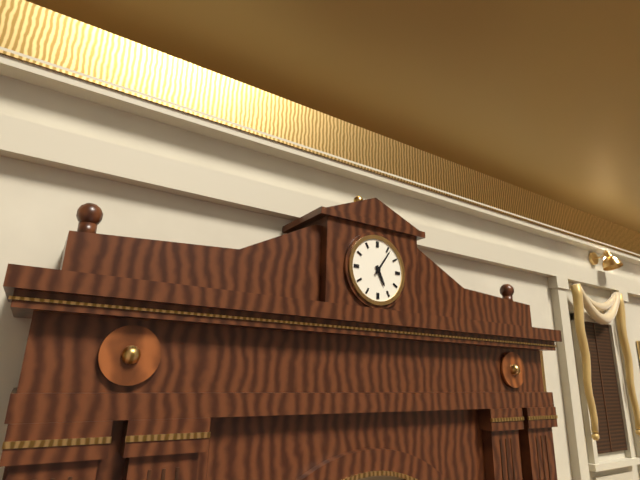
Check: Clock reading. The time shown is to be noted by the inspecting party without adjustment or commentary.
5:06
